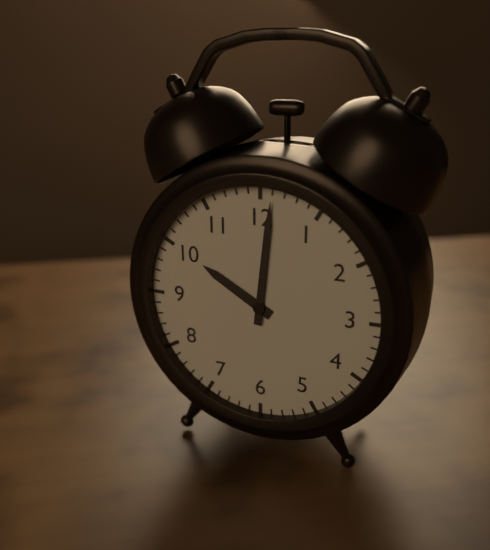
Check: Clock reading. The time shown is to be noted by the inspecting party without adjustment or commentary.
10:01
